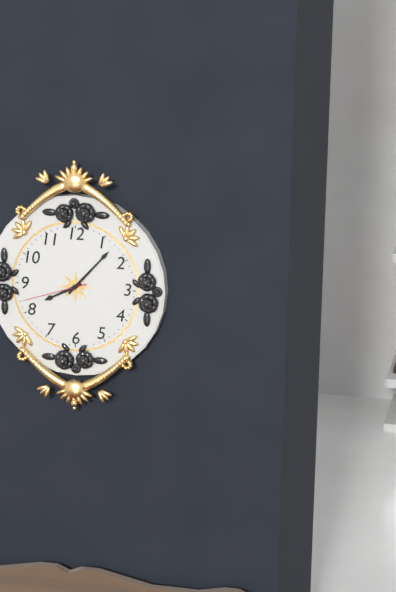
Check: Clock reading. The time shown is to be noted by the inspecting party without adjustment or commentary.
8:07:42
